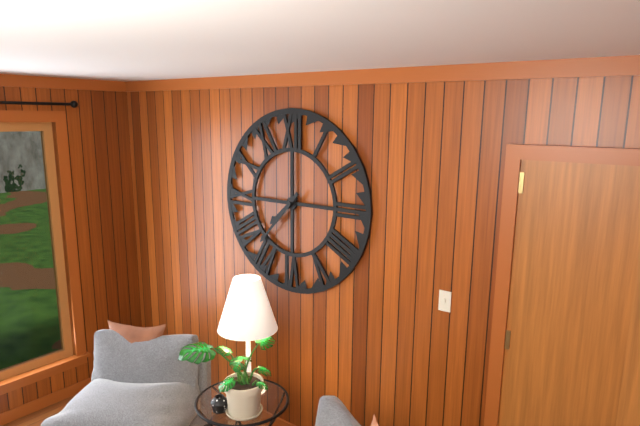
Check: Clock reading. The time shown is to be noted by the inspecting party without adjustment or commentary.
7:37
